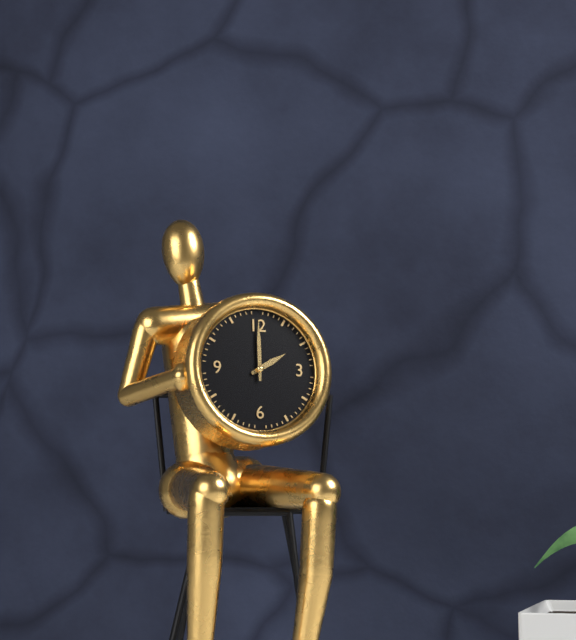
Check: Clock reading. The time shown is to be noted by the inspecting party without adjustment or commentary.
2:00
